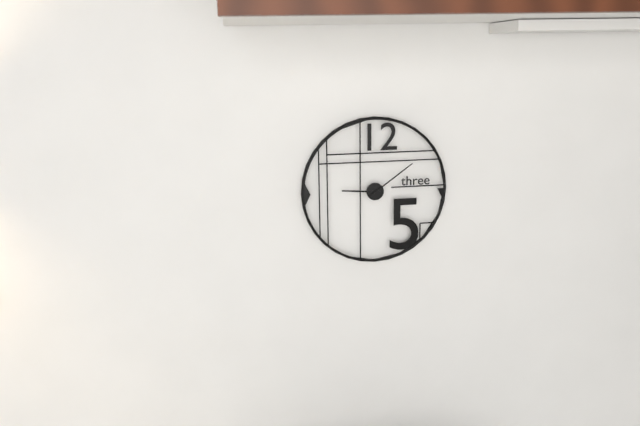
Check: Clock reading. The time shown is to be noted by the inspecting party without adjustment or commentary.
9:09
